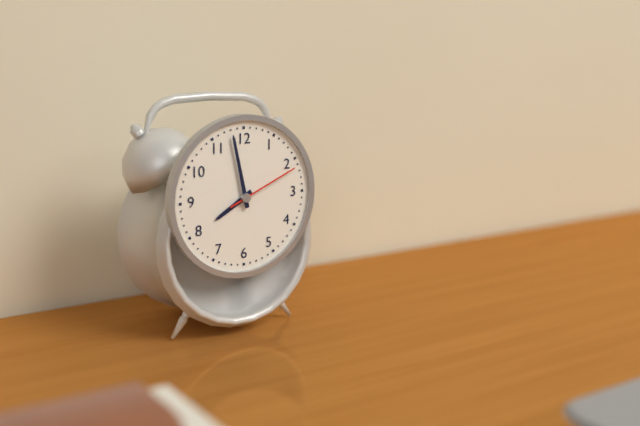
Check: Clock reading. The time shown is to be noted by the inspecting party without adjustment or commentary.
7:58:11
